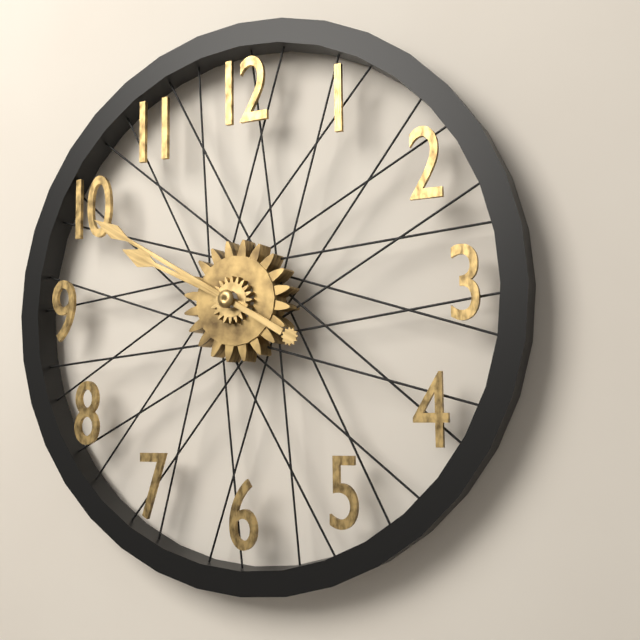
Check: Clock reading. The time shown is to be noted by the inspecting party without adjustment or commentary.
9:50
